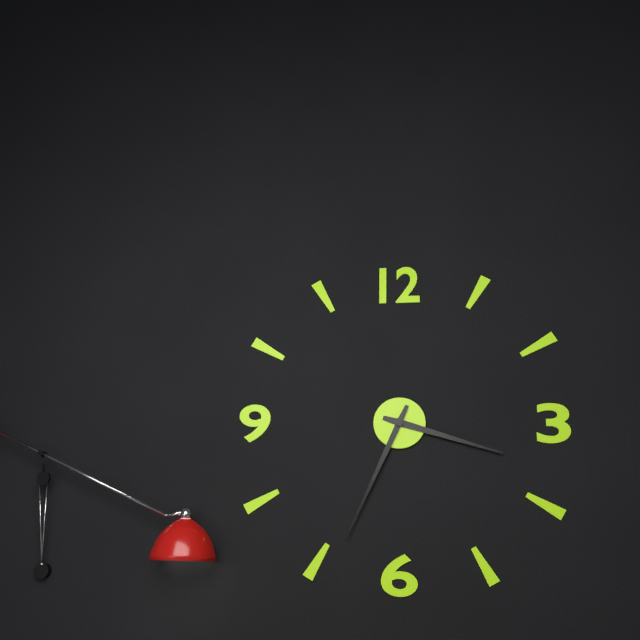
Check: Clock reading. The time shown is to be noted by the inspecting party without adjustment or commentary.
3:34
